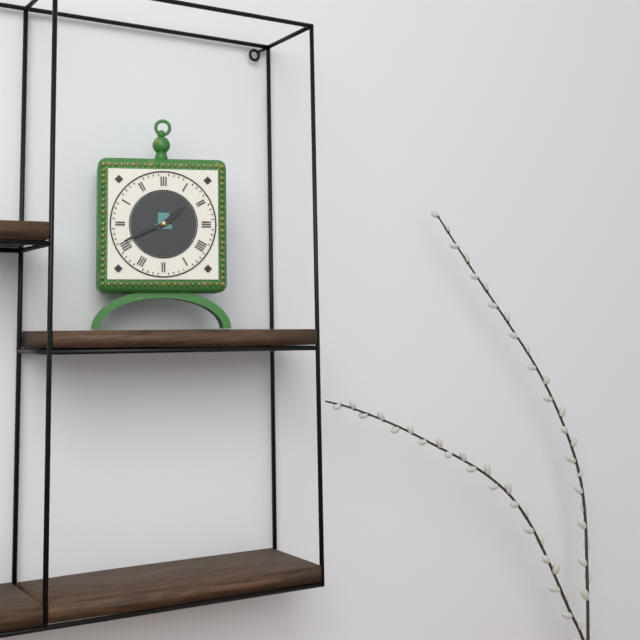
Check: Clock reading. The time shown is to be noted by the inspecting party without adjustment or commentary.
1:41
